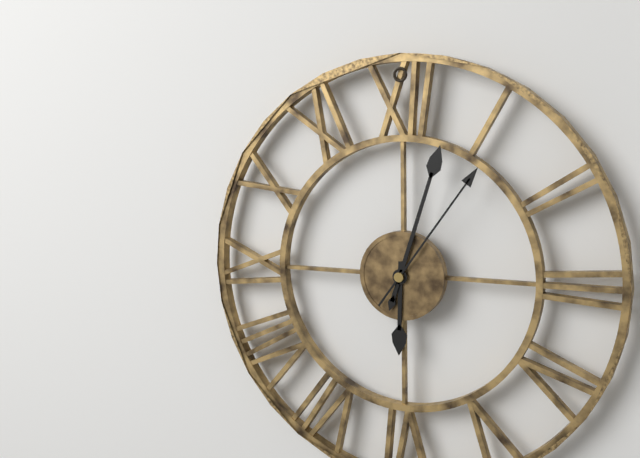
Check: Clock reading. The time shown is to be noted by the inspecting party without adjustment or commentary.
6:03:06
